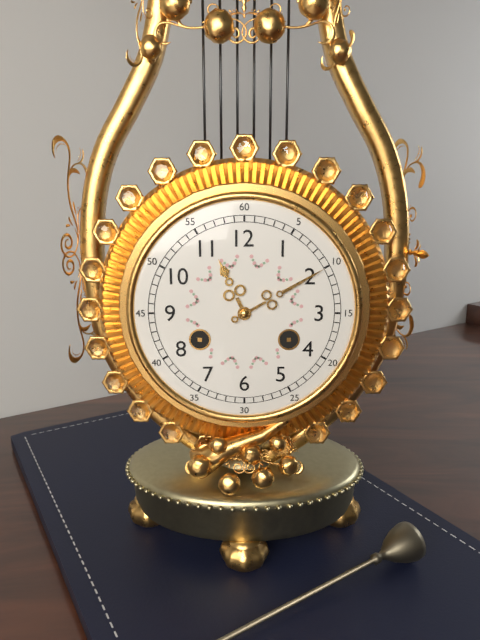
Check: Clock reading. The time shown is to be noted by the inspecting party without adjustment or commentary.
11:10
